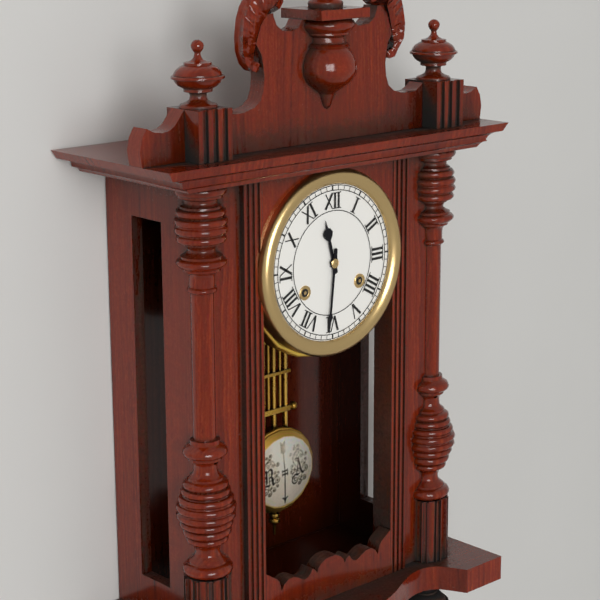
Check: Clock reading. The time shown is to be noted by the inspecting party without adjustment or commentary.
11:31
